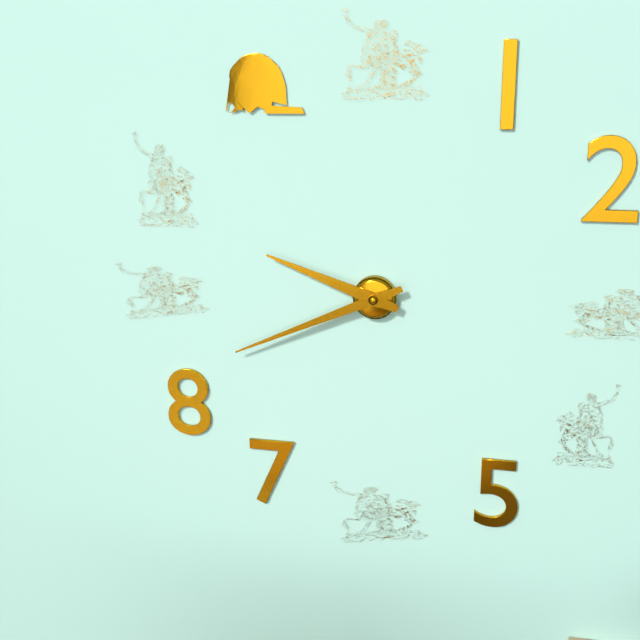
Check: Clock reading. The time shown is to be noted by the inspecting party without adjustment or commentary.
9:41
